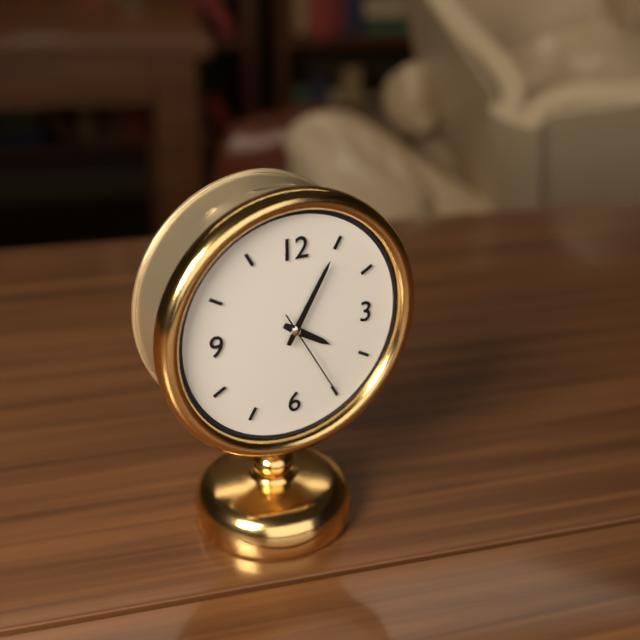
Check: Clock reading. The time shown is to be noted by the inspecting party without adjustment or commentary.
4:05:25
